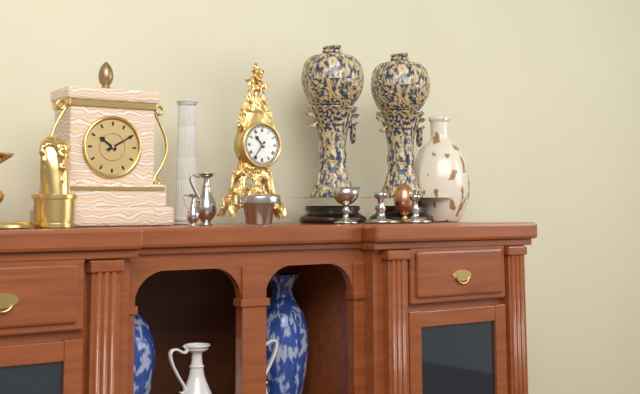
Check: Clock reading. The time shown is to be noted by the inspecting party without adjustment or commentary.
10:36
